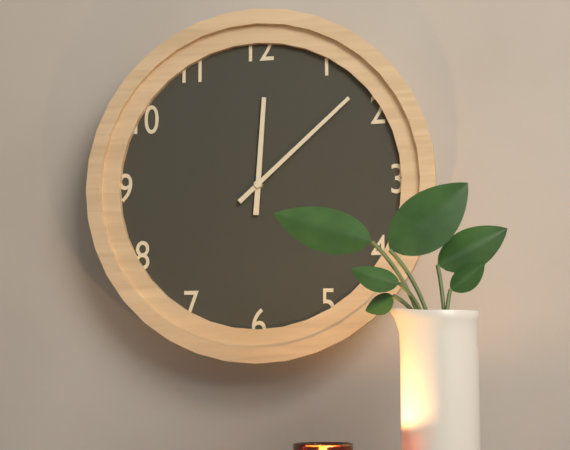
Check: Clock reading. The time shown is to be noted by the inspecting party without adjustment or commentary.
12:08
